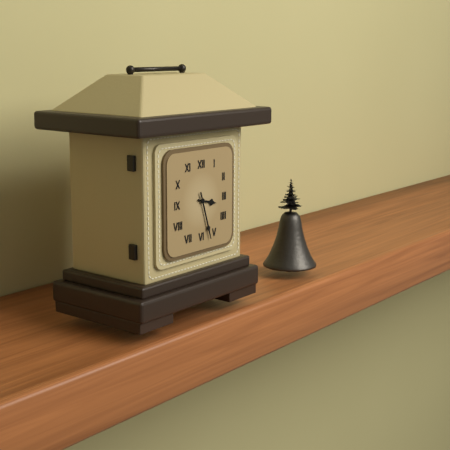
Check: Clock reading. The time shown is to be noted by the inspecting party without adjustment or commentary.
3:27
